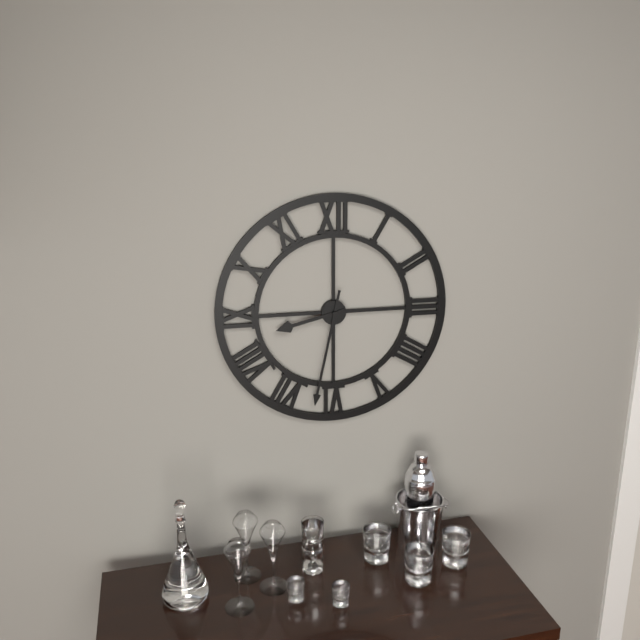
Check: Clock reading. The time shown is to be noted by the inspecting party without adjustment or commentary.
8:32
